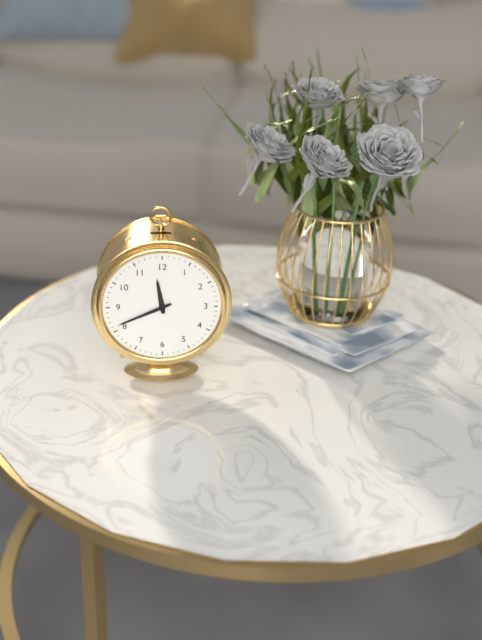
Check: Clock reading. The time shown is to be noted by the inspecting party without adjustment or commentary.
11:41
